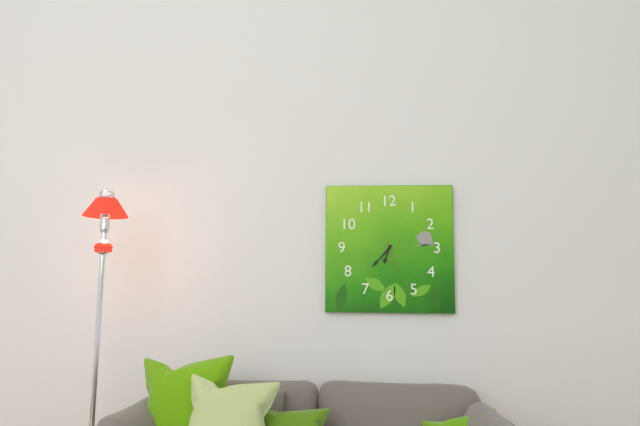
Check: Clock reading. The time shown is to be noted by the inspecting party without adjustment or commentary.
6:37
